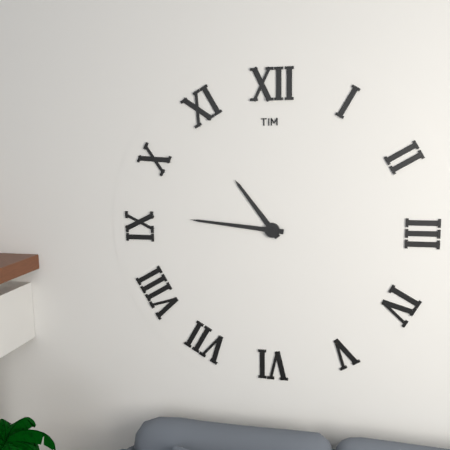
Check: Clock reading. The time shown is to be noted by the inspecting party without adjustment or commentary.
10:46
